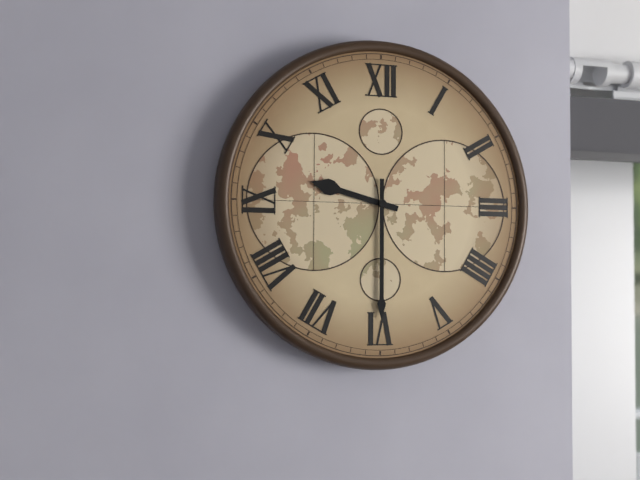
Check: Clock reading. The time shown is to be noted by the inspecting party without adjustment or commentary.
9:30
